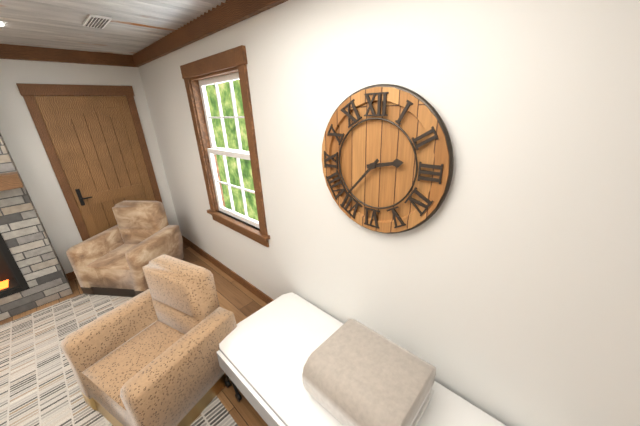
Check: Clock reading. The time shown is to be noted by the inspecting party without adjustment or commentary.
2:37
